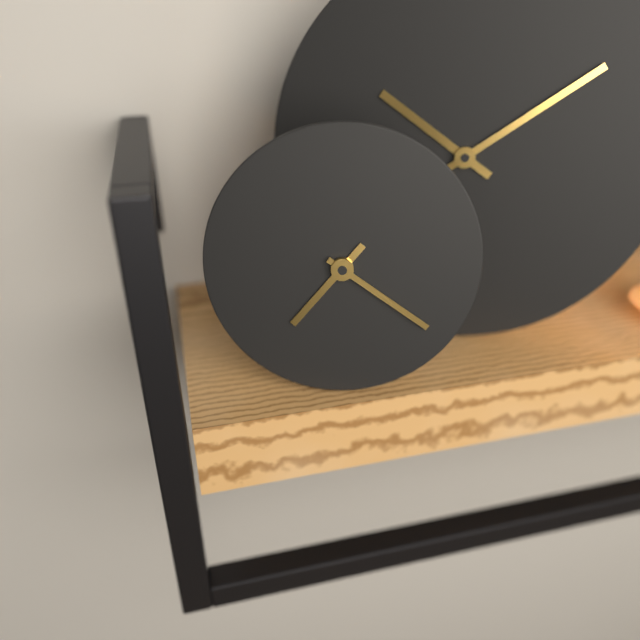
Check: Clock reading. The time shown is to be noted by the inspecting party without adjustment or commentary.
7:21
